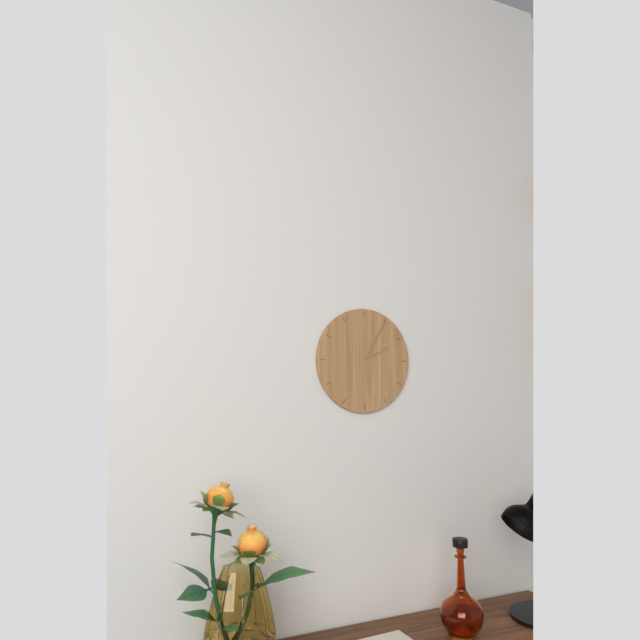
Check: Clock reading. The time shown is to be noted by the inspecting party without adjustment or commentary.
2:05
